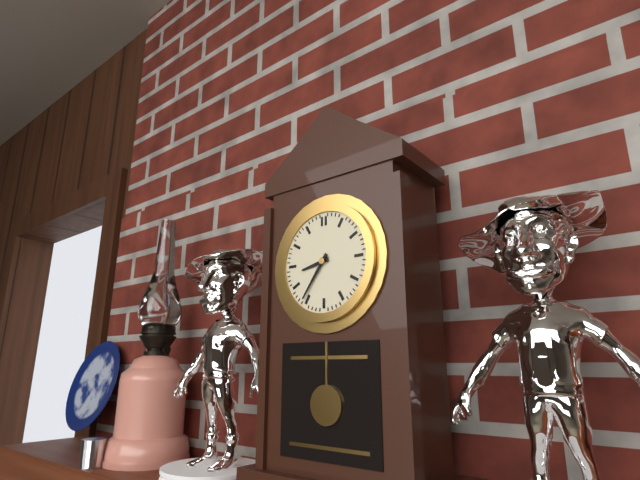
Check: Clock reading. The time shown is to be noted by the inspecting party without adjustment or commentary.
8:36
